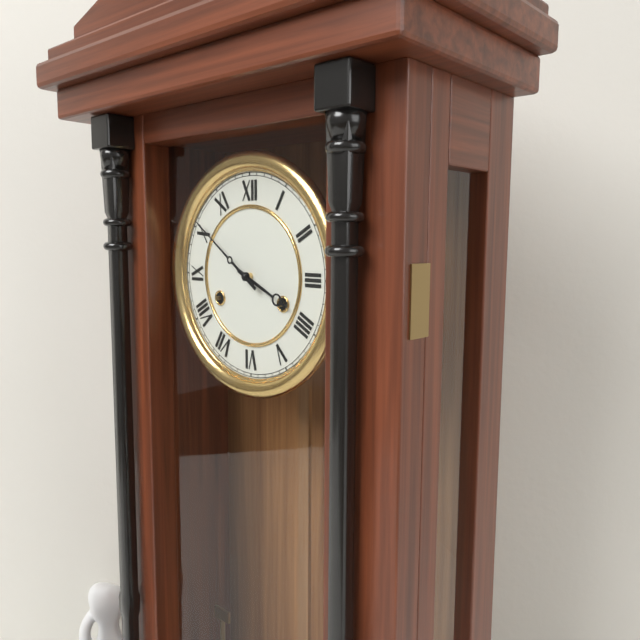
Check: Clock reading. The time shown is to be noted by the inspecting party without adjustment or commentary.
3:51
